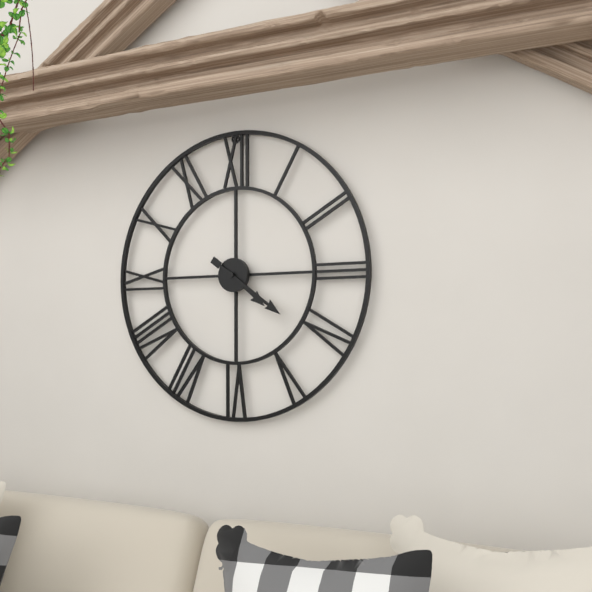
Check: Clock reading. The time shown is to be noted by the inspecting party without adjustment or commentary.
4:21
